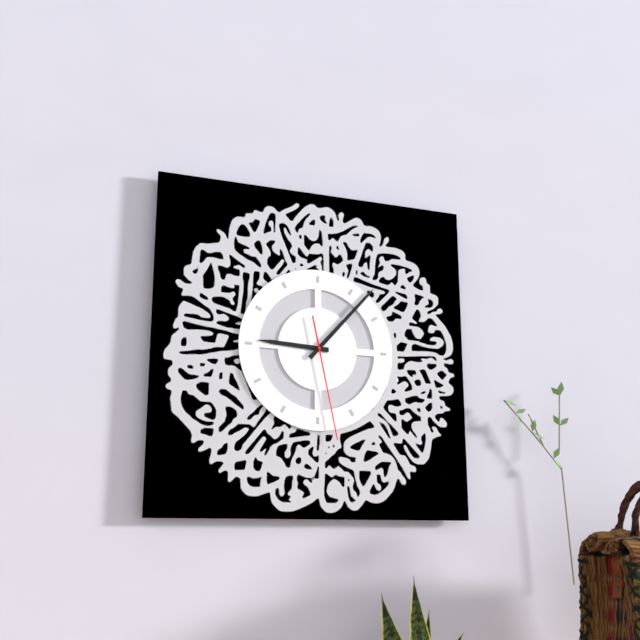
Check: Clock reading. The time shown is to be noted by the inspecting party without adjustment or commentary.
9:07:28
